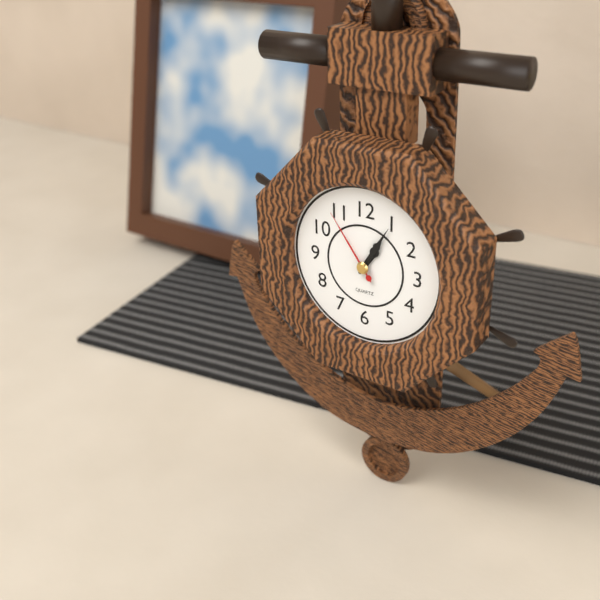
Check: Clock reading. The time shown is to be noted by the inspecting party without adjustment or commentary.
1:05:54
